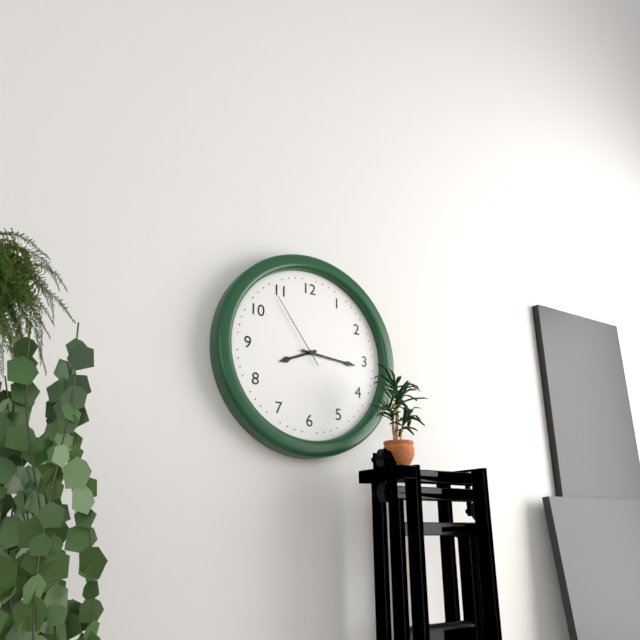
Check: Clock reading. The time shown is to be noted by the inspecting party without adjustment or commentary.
8:16:54
